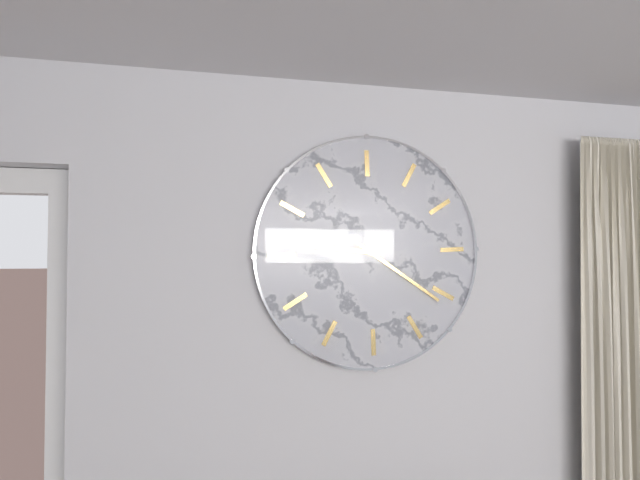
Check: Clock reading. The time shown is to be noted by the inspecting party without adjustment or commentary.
8:16
